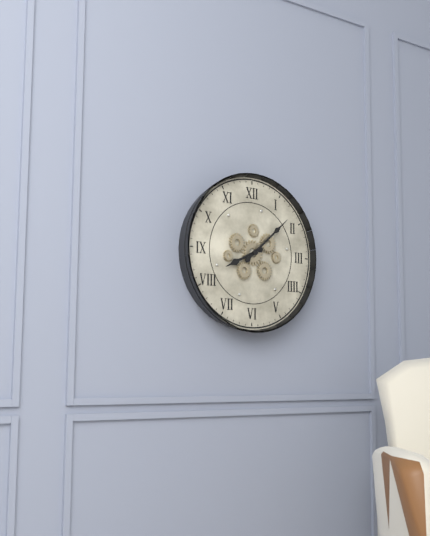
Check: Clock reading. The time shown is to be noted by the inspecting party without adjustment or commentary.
8:08
